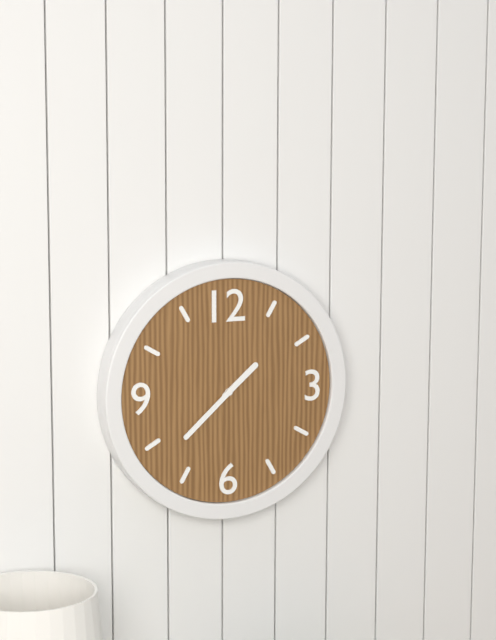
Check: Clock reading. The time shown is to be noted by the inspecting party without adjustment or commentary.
1:38
